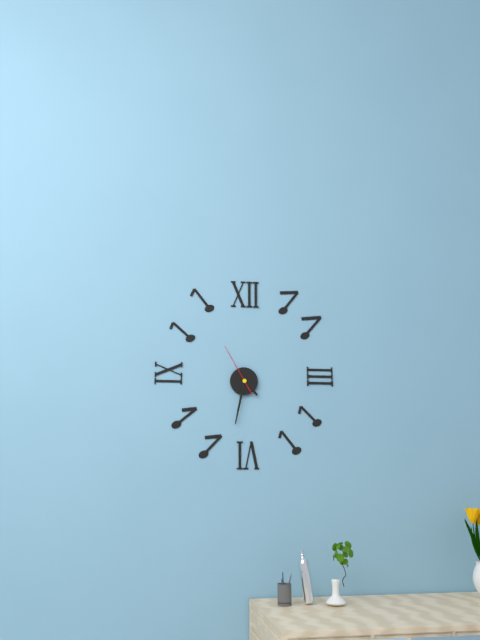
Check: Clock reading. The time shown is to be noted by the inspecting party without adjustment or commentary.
4:32:55
